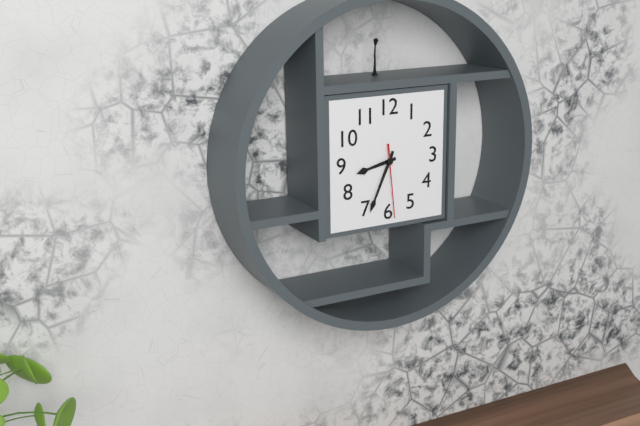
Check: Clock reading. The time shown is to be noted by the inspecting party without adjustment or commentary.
8:34:29
